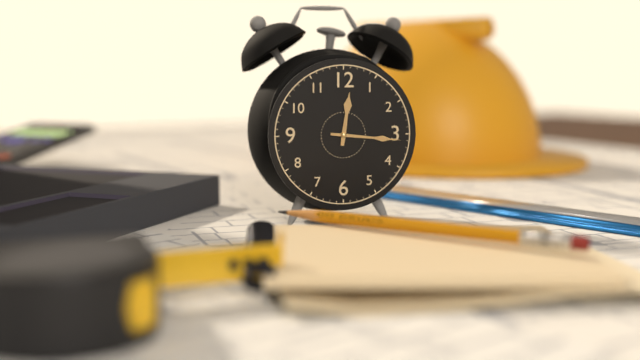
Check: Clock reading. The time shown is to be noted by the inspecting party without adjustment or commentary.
12:16
